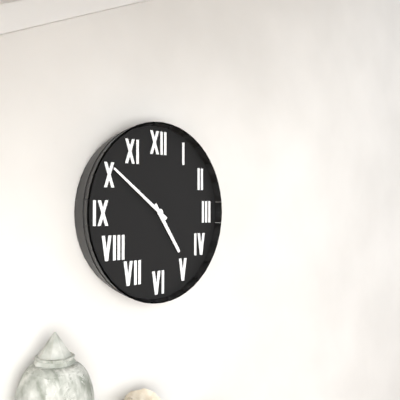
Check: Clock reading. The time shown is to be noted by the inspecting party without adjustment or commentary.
4:51
